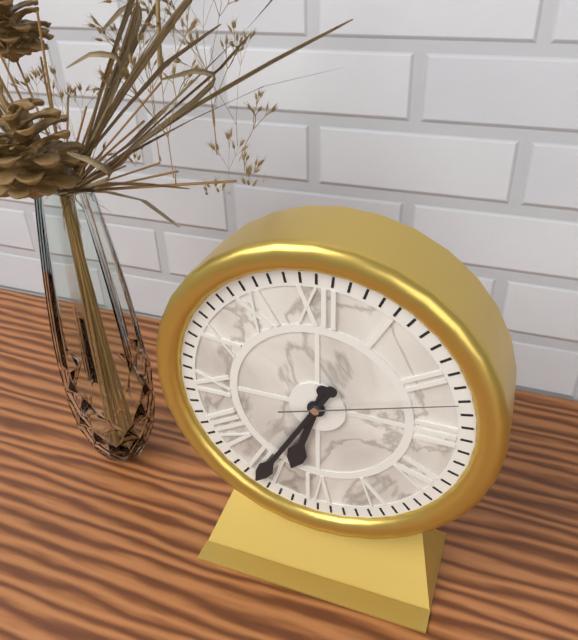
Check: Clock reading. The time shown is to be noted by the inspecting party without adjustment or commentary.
6:35:12
